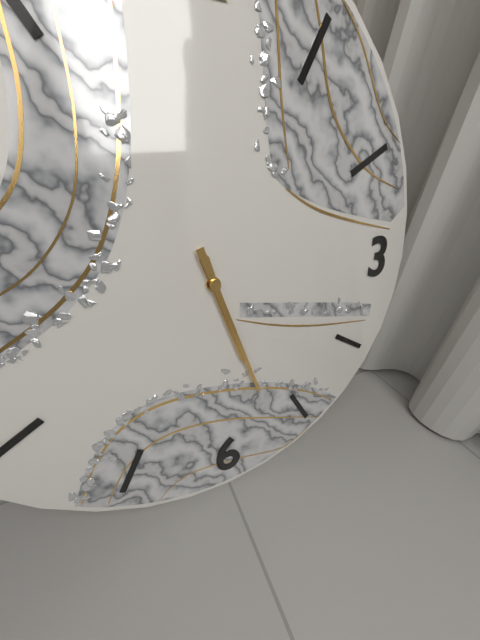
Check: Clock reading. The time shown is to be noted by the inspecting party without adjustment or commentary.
5:27
